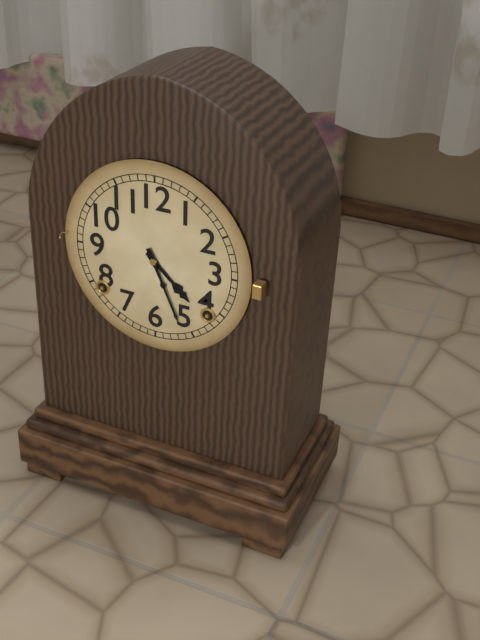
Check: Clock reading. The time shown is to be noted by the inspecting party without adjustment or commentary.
4:26
